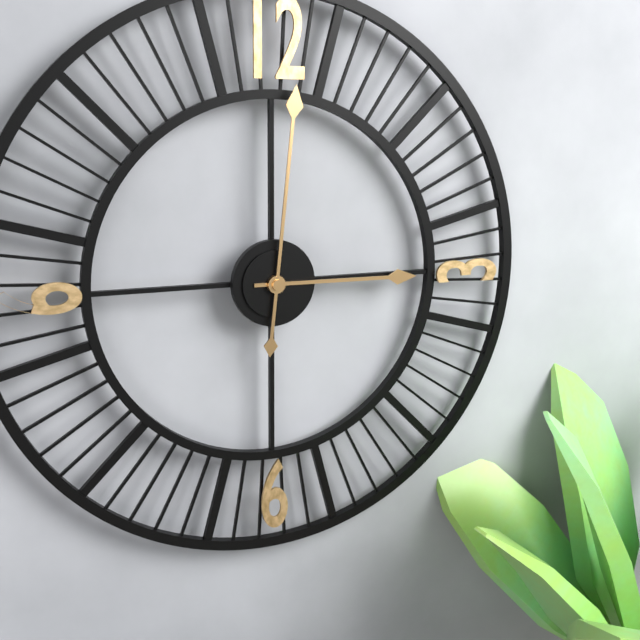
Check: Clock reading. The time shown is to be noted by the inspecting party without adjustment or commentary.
3:01
